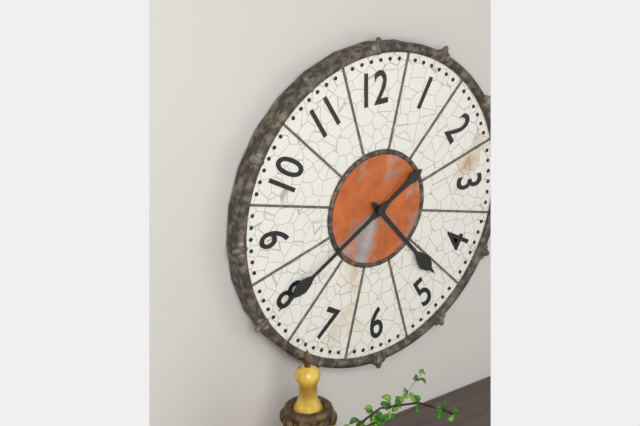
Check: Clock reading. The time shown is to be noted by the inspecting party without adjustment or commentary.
4:40
